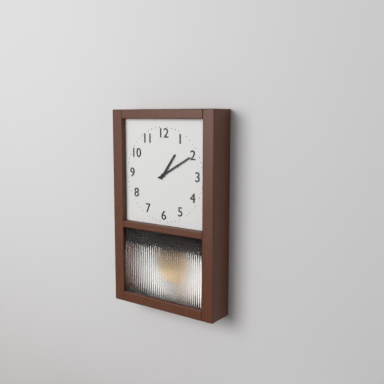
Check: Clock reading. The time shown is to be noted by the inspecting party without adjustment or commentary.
1:10
